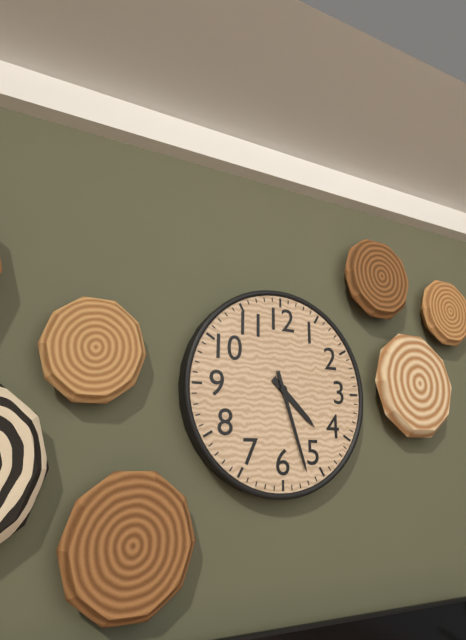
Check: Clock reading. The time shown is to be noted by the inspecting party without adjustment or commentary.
4:27
